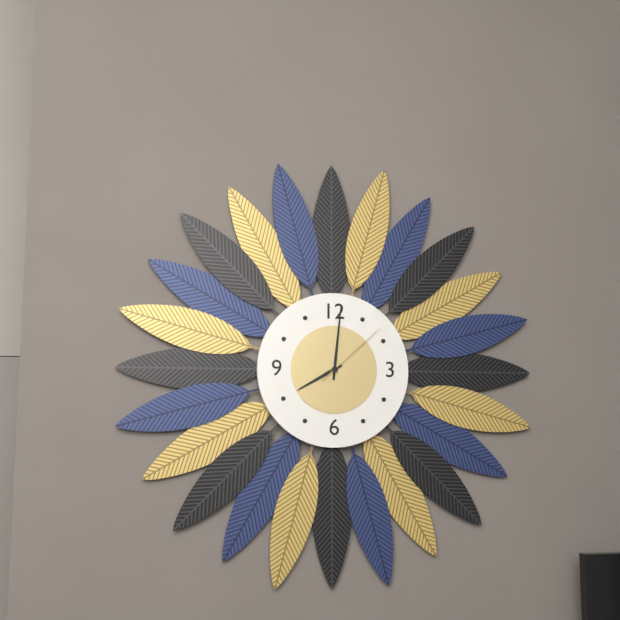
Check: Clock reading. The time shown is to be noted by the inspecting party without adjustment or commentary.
8:01:08
